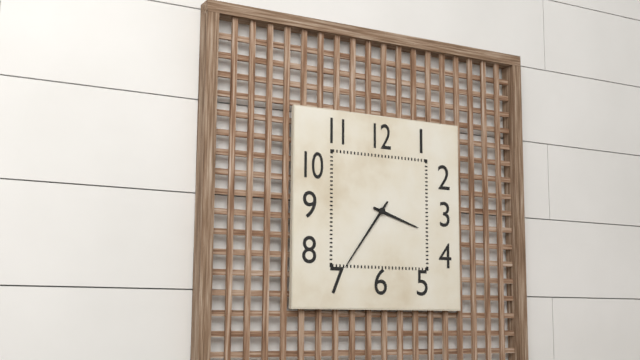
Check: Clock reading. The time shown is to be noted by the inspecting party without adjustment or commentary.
3:36
